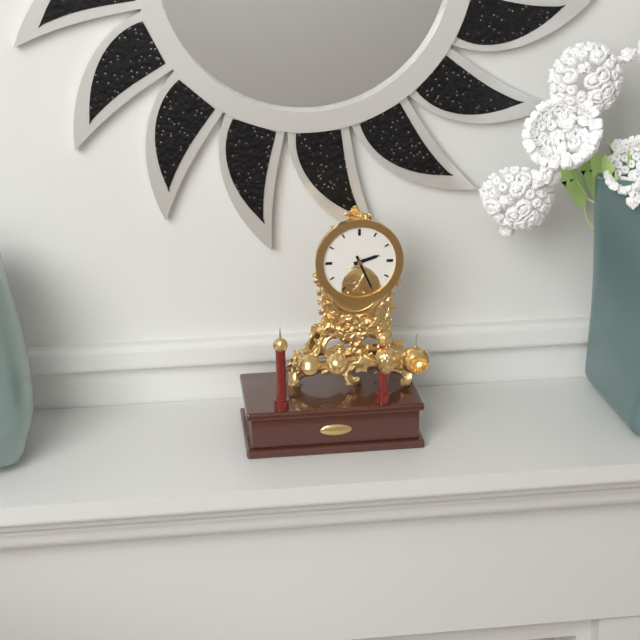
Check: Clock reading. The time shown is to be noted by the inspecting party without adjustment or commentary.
2:26
